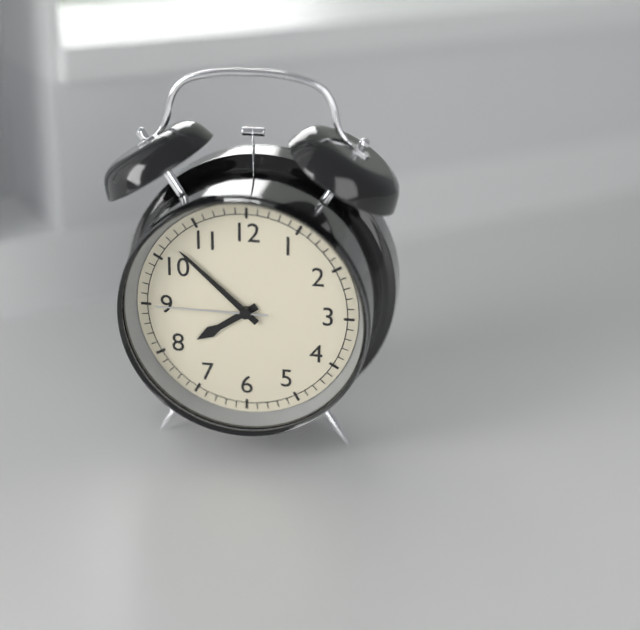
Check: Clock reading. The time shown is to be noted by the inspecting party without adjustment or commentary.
7:52:45
